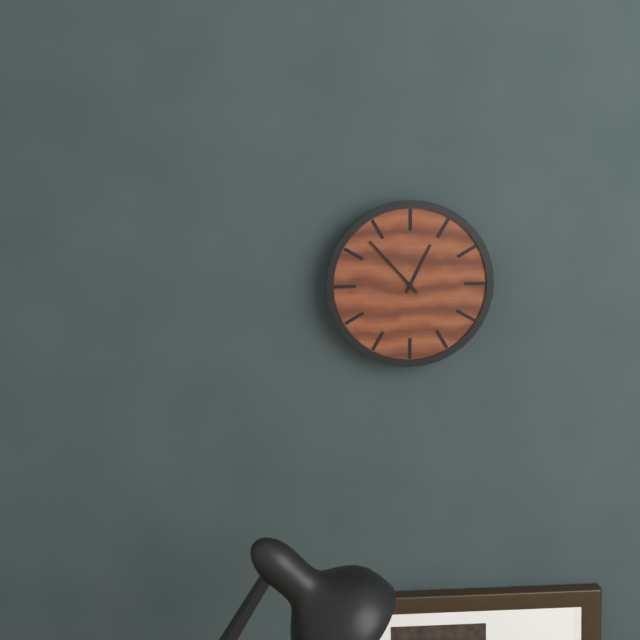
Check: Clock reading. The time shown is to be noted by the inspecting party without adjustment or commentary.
12:53
